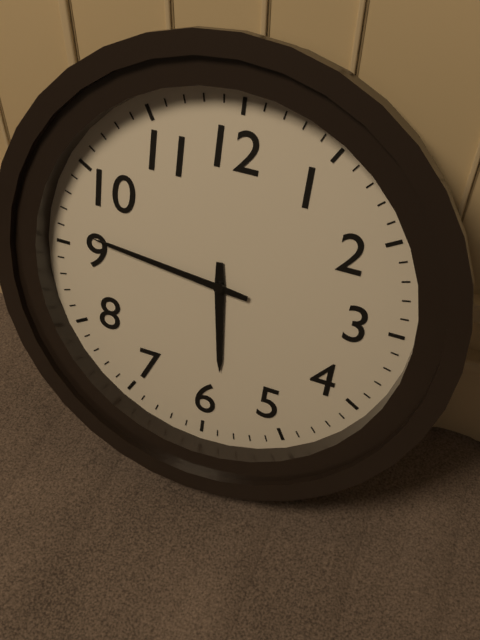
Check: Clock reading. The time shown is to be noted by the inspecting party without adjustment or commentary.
5:46
